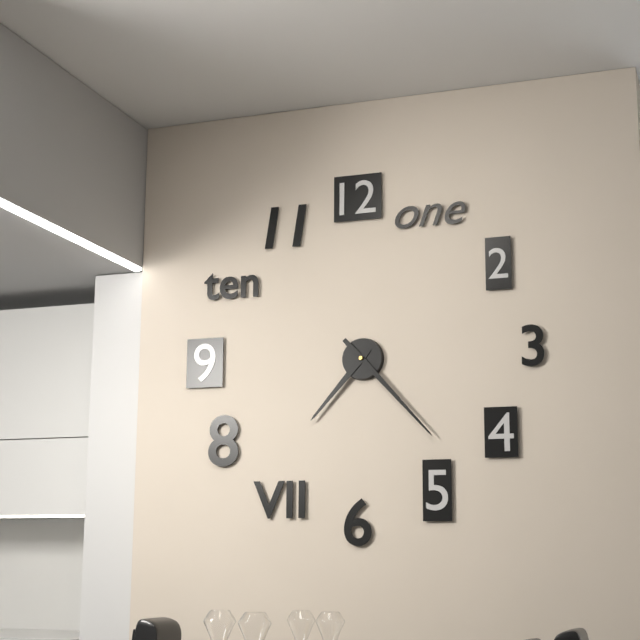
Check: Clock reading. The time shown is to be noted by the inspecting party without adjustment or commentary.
7:23
